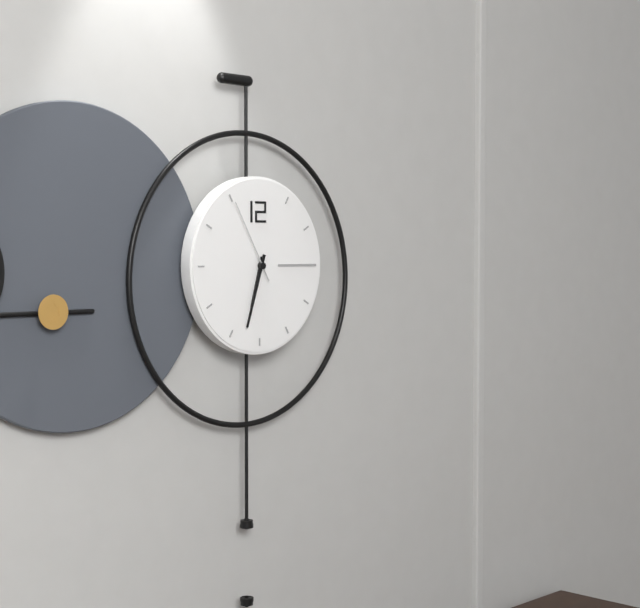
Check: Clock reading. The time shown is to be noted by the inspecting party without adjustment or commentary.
6:33:55
